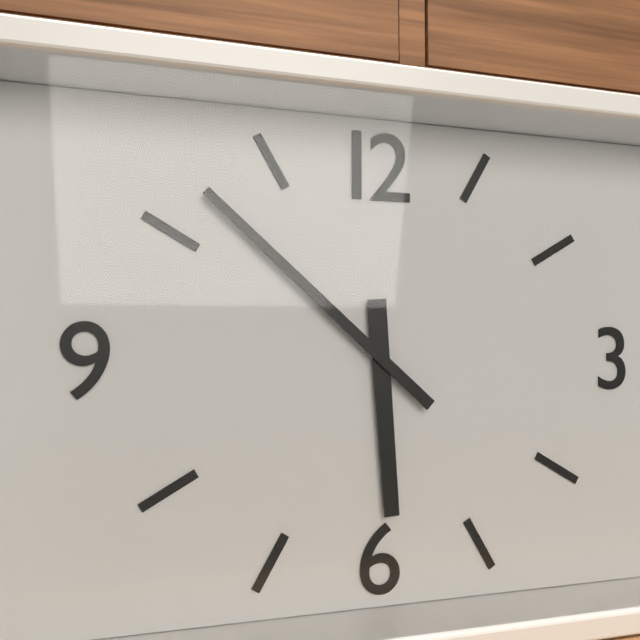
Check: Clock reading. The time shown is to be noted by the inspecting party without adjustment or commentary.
5:52
